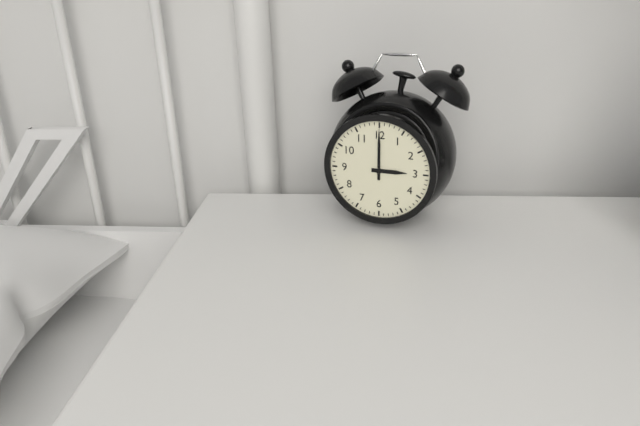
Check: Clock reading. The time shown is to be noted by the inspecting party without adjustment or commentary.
3:00
